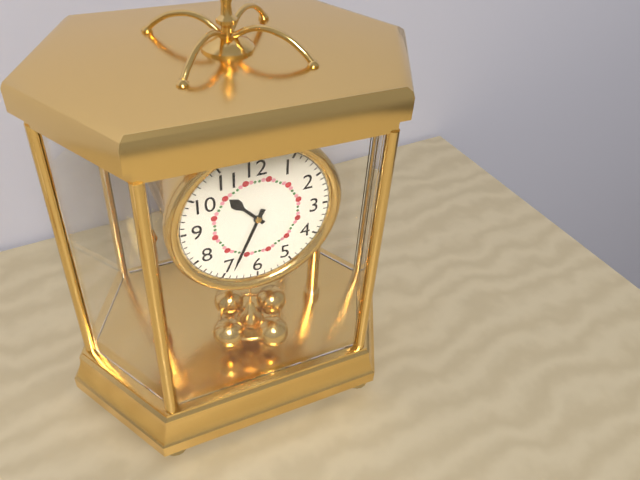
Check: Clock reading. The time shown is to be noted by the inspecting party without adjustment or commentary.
10:34
